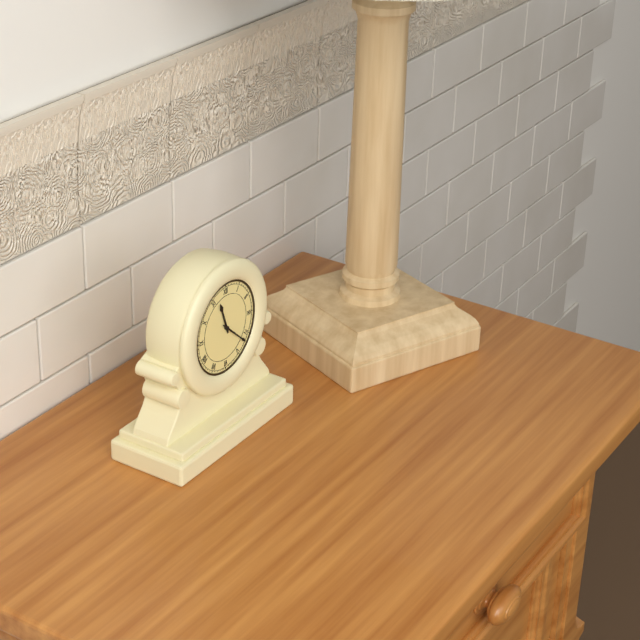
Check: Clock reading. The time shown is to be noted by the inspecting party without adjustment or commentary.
11:22
